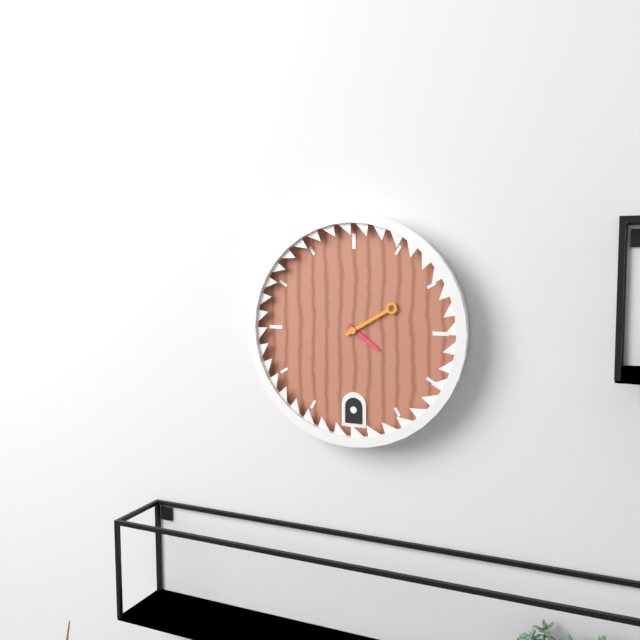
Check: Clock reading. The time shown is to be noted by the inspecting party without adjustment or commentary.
4:10
